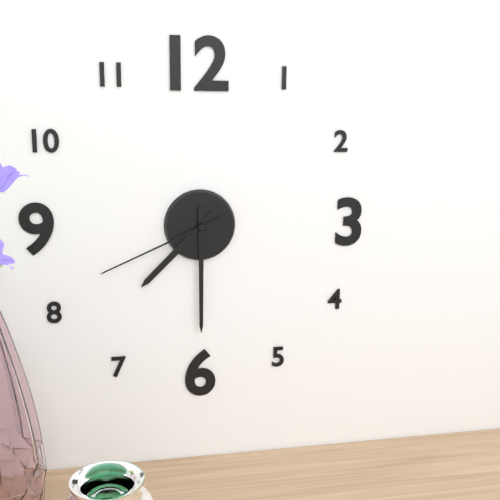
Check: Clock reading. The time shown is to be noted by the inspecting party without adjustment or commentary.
7:30:41
